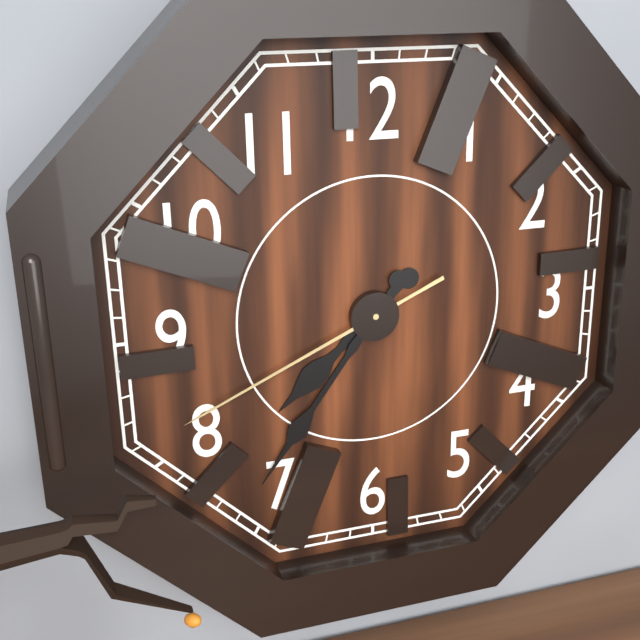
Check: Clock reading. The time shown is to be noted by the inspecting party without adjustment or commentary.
7:36:41
